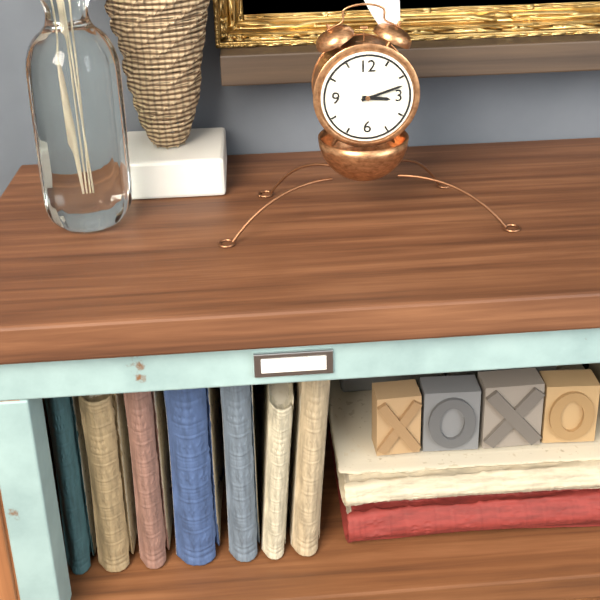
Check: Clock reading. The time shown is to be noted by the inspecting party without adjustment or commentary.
3:12
